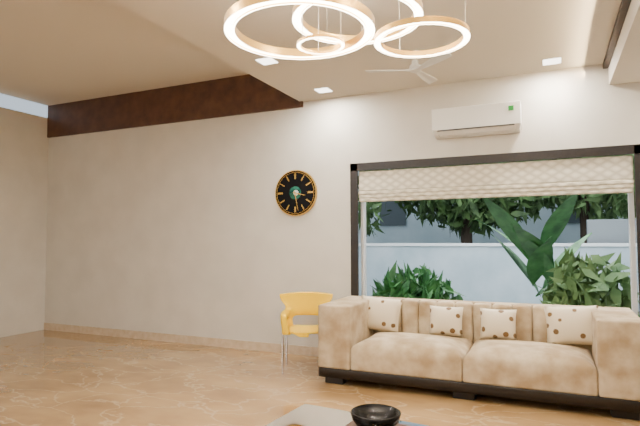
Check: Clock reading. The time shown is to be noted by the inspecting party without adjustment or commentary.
3:28
